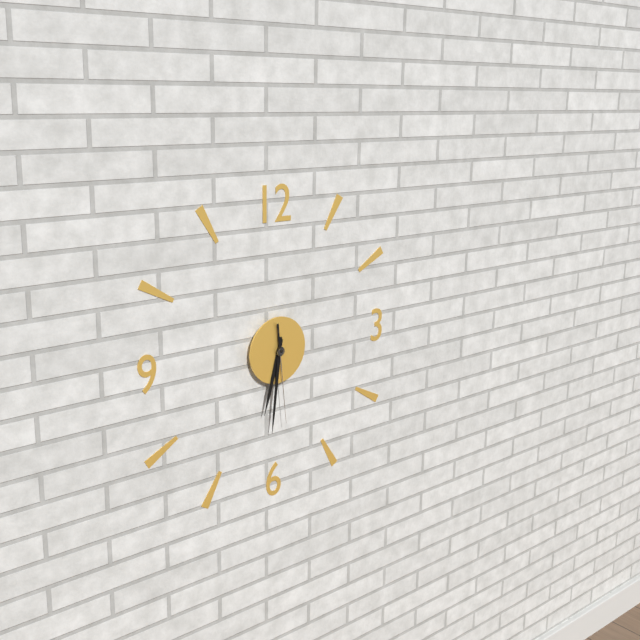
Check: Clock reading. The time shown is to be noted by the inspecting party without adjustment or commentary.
6:31:29
